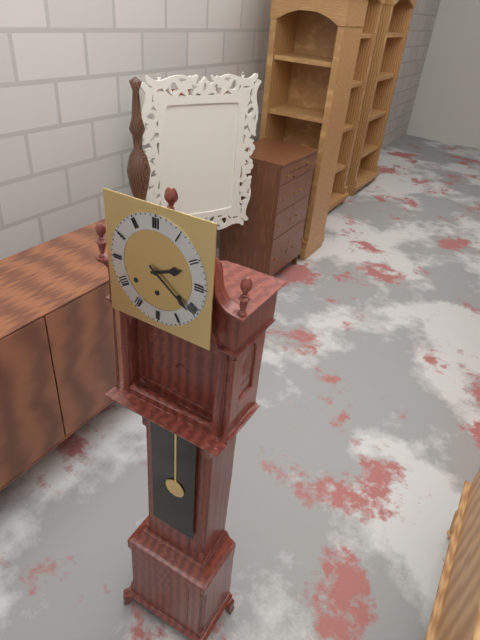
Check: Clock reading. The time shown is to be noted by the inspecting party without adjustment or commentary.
2:21
